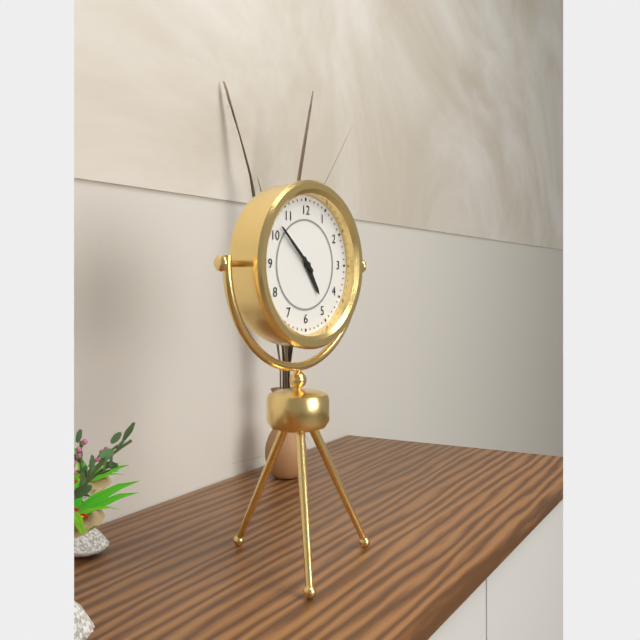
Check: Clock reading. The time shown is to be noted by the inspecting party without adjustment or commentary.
4:52
